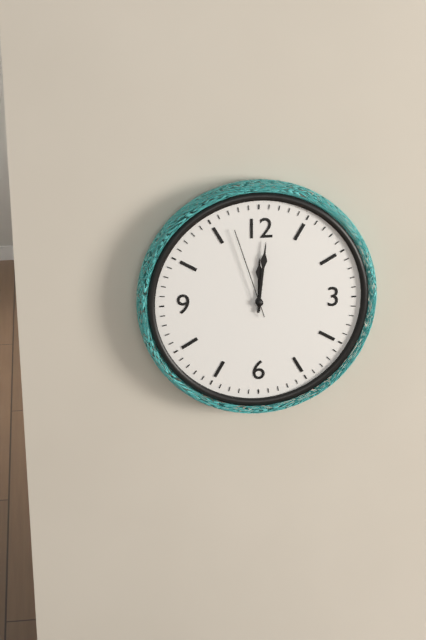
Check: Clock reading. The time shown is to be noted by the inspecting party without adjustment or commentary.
12:01:57
